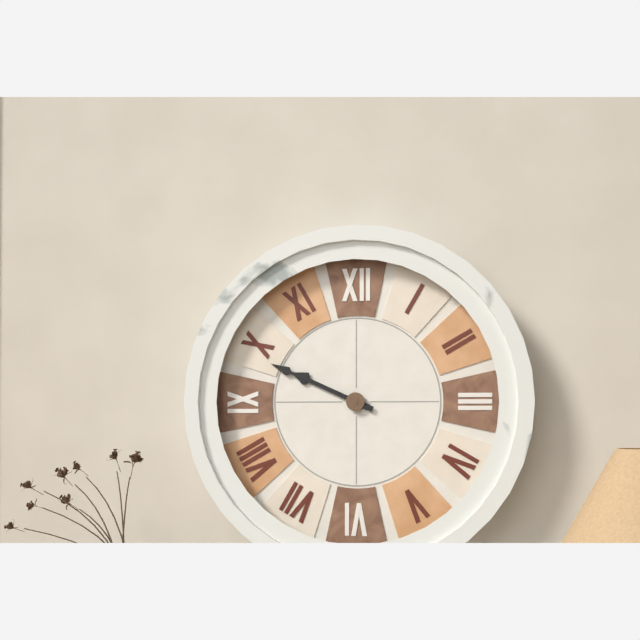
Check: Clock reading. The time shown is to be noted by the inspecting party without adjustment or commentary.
9:49
